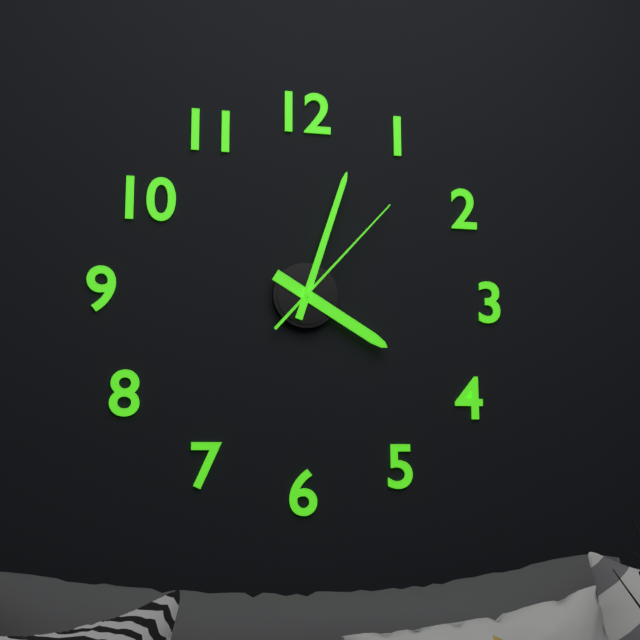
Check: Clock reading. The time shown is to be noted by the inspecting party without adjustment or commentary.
4:03:07
